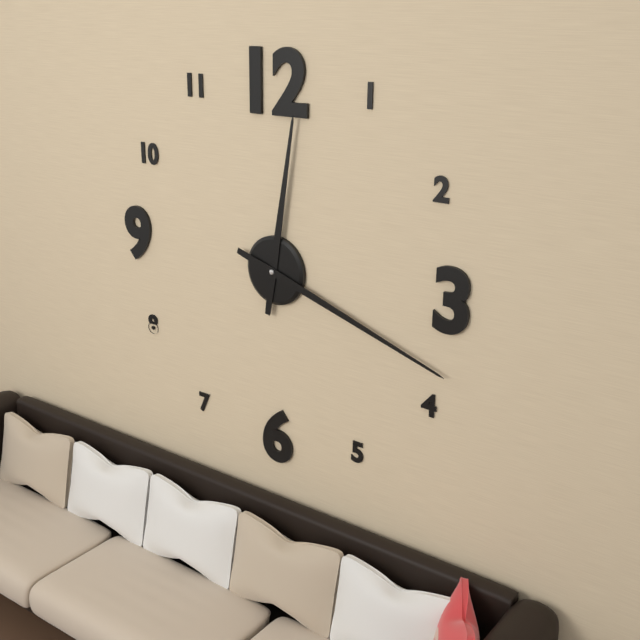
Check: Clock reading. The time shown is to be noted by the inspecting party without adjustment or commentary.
12:18
